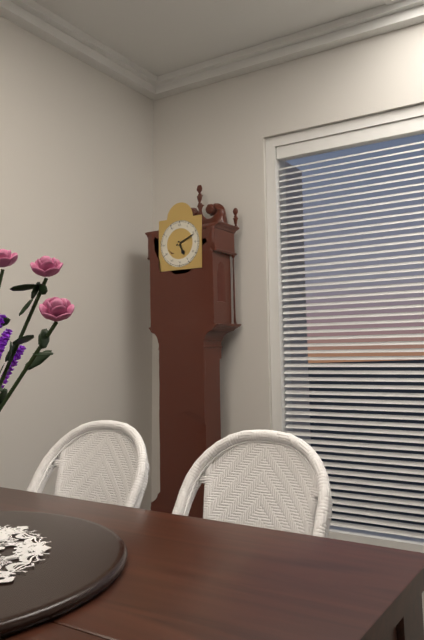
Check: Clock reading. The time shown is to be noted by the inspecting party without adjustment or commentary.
5:11
